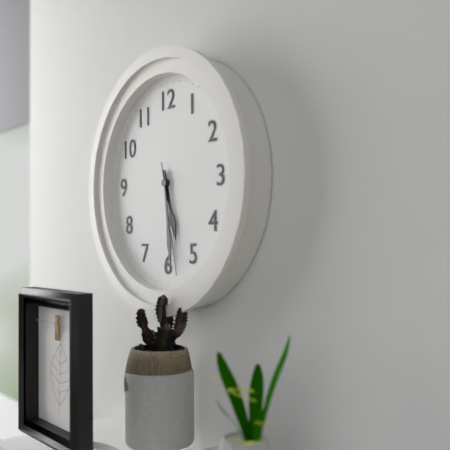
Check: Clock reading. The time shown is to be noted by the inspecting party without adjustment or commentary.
5:29:28
